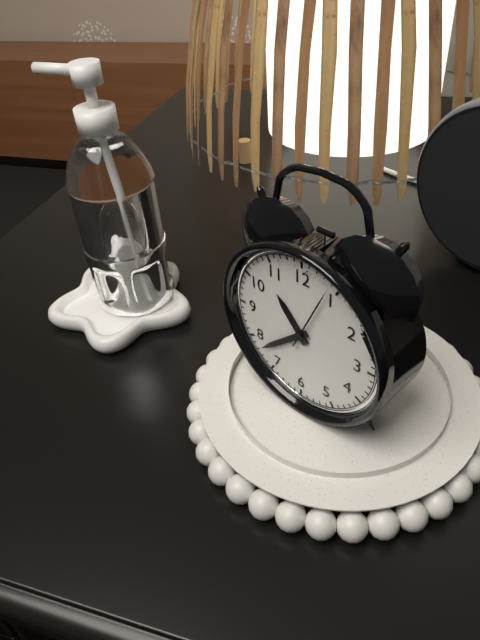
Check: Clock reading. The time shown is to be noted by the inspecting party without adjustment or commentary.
10:38:04
